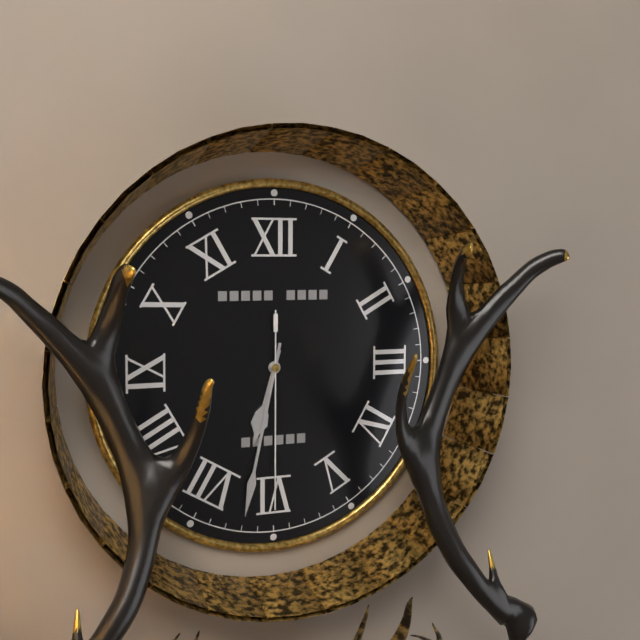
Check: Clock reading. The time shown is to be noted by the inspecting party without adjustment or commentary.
6:32:30
